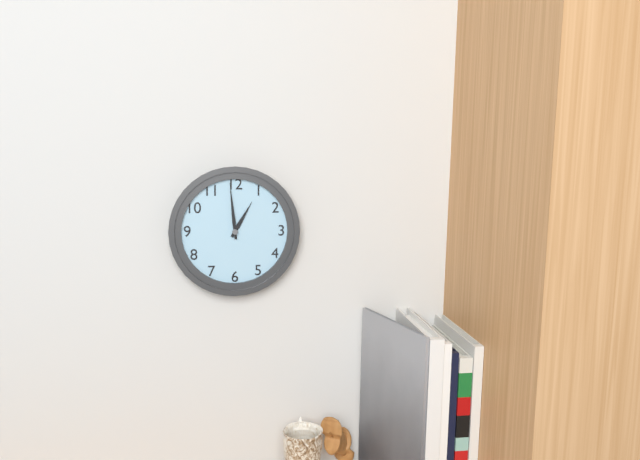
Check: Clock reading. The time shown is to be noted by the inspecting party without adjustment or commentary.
12:59
